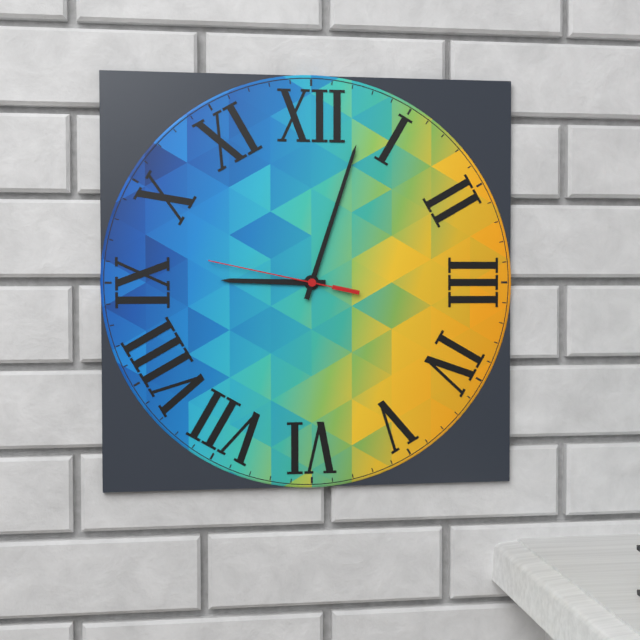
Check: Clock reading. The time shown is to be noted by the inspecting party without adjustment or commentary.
9:03:47
